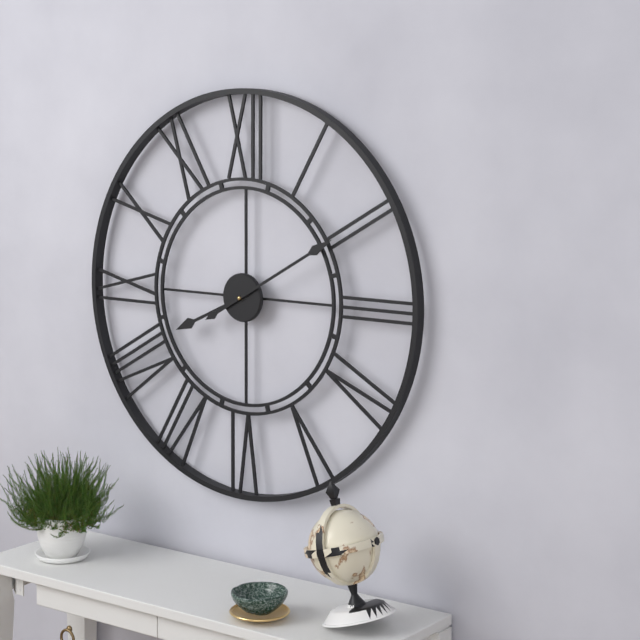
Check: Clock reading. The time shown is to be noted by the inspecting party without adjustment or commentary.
8:10
